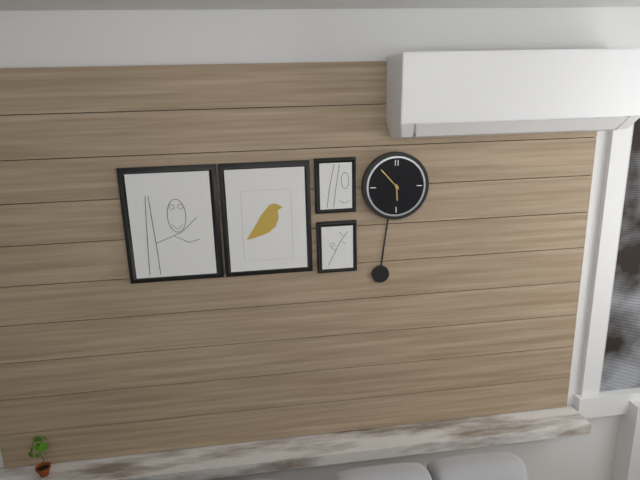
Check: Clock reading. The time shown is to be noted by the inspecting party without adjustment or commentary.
5:53
